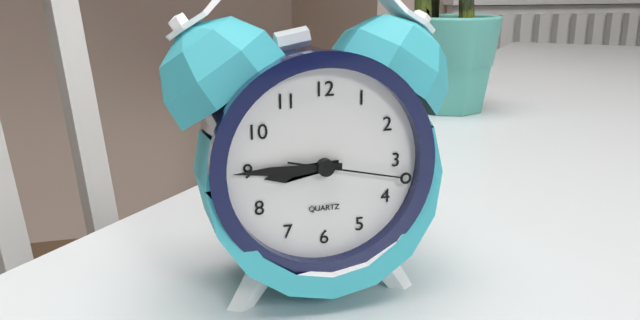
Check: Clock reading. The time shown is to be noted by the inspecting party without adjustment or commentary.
8:45:17
